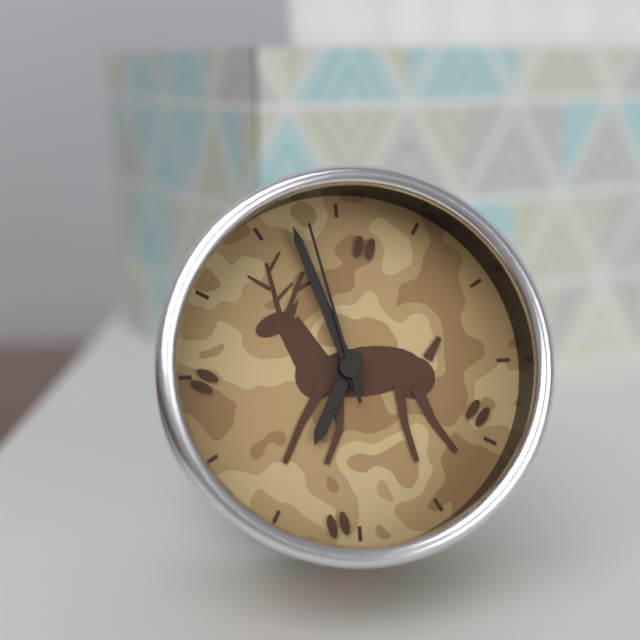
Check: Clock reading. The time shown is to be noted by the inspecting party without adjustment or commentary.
6:57:58
